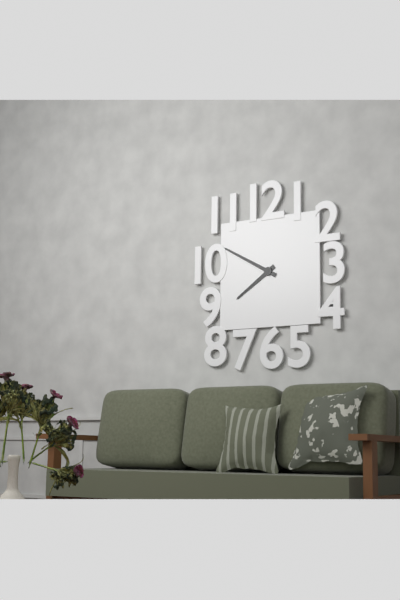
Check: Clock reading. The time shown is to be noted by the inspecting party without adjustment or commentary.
7:50
